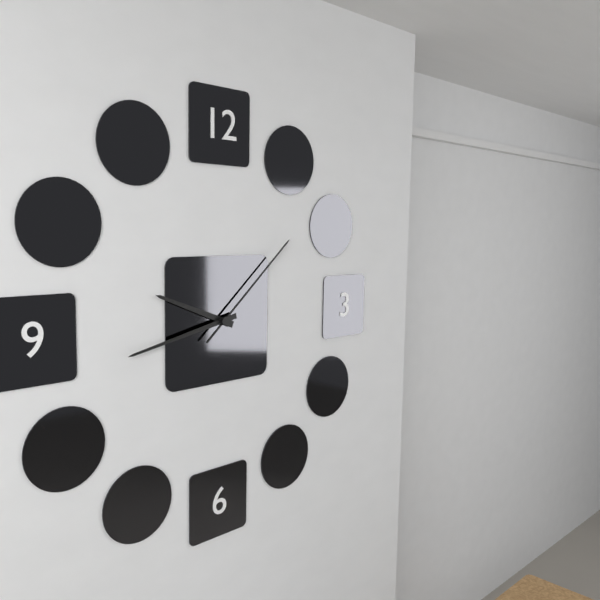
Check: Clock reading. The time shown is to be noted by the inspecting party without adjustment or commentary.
9:43:08
